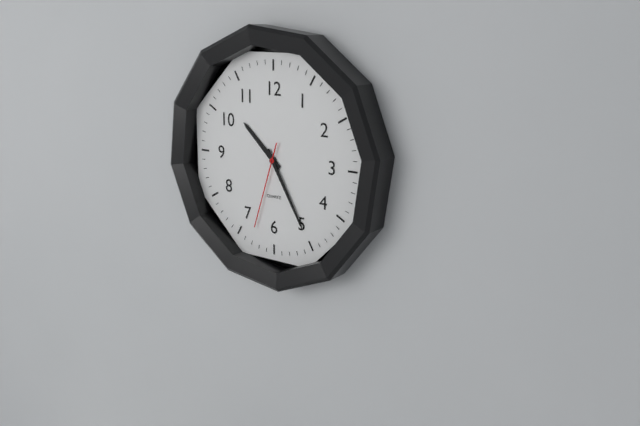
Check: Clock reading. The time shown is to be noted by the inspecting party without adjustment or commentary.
10:25:33
